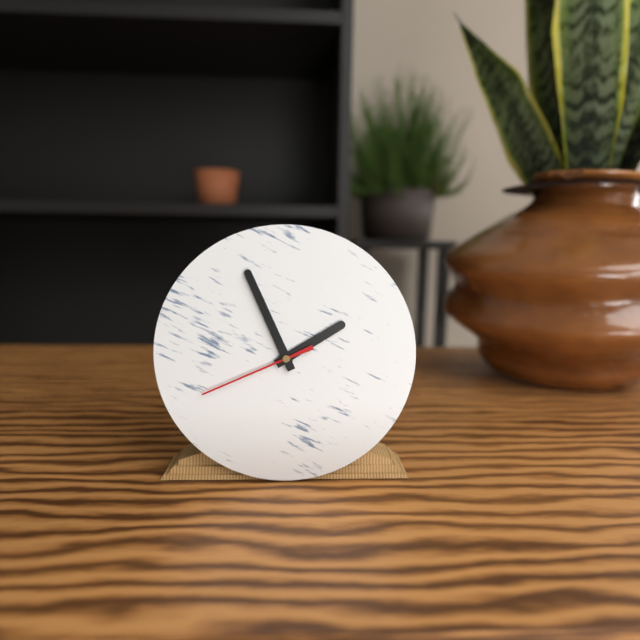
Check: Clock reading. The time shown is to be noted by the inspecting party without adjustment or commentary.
1:56:41
